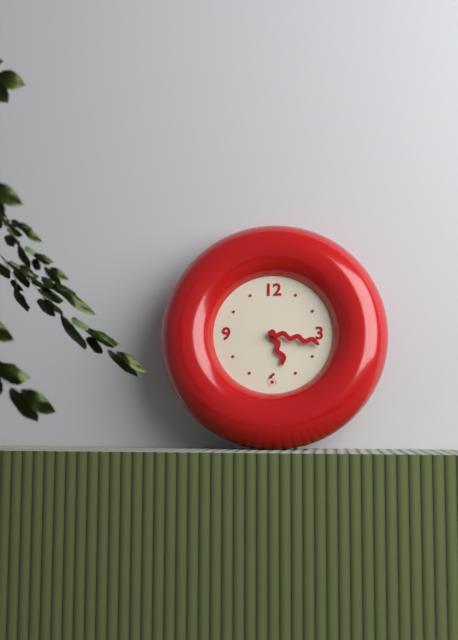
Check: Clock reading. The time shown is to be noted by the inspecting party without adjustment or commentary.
5:17
